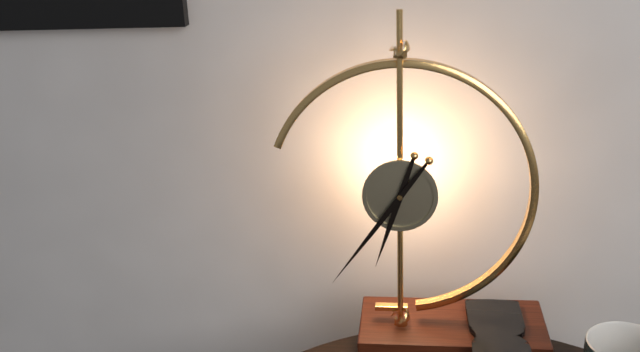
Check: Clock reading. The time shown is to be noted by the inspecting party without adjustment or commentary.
6:36
